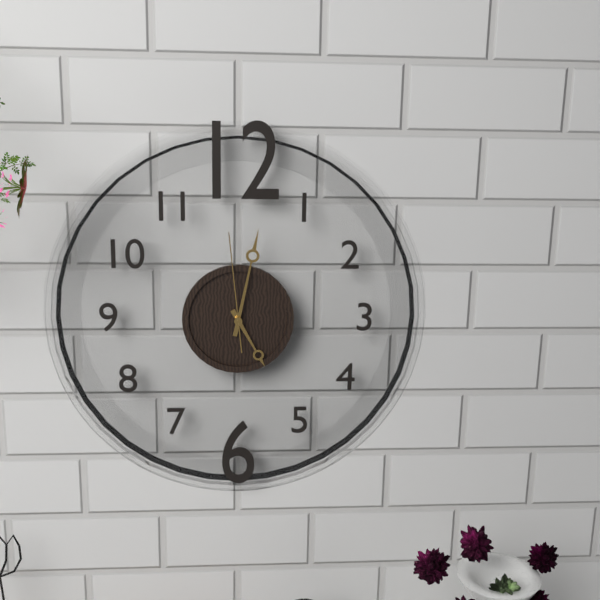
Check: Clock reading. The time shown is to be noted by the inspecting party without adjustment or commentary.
5:02:59
